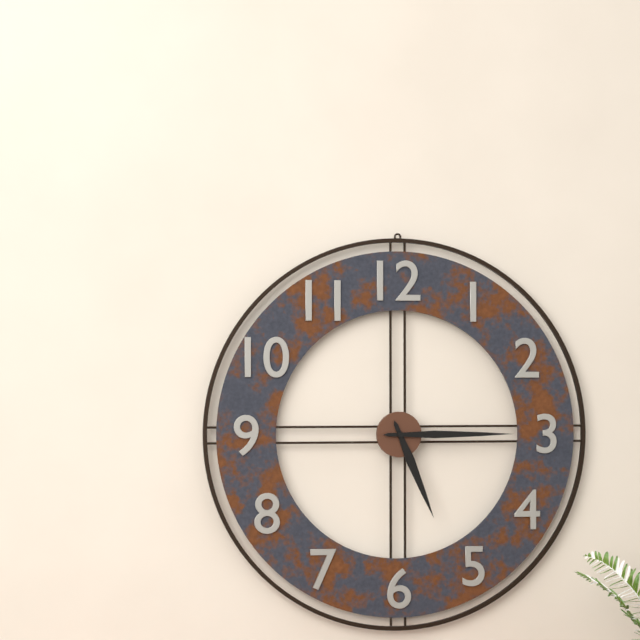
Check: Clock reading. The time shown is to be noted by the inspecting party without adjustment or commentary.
5:15
